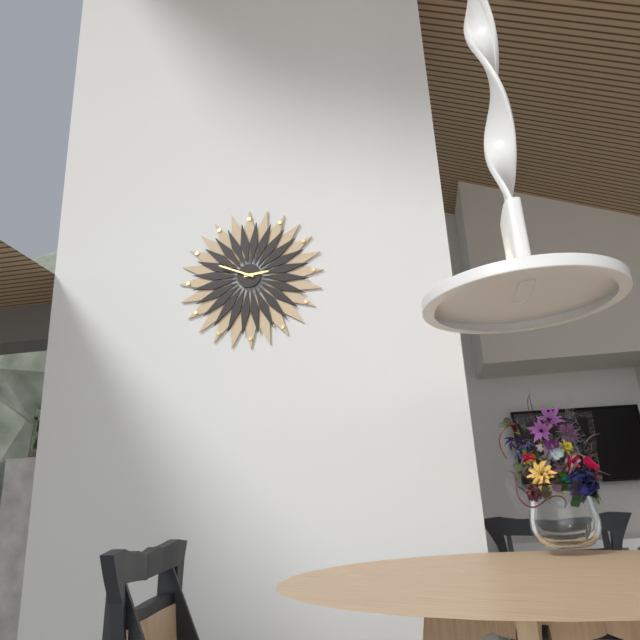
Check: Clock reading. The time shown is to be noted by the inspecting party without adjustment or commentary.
2:49
